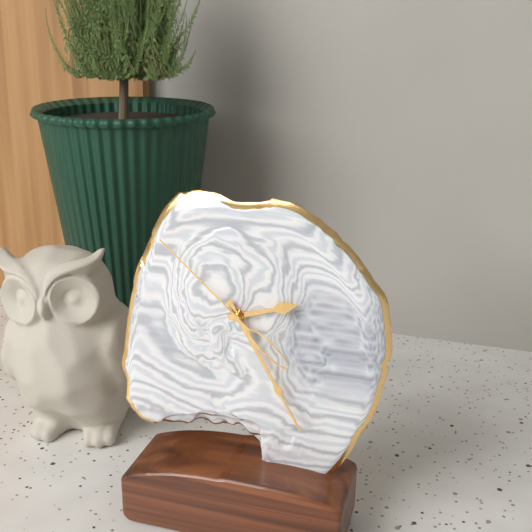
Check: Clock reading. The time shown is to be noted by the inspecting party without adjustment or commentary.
2:25:52
